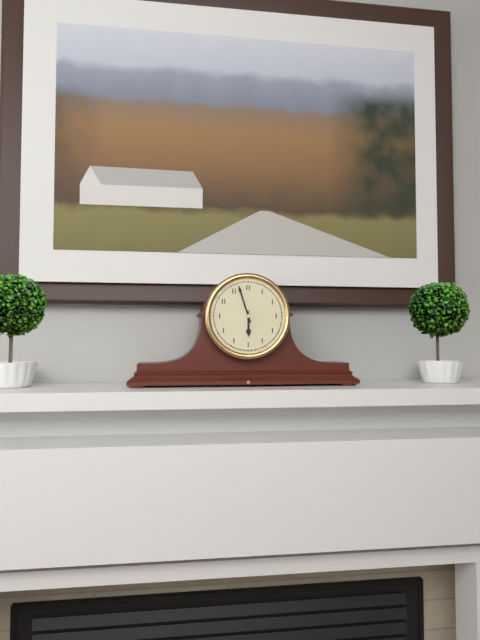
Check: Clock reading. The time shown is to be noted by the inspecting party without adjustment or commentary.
5:57
